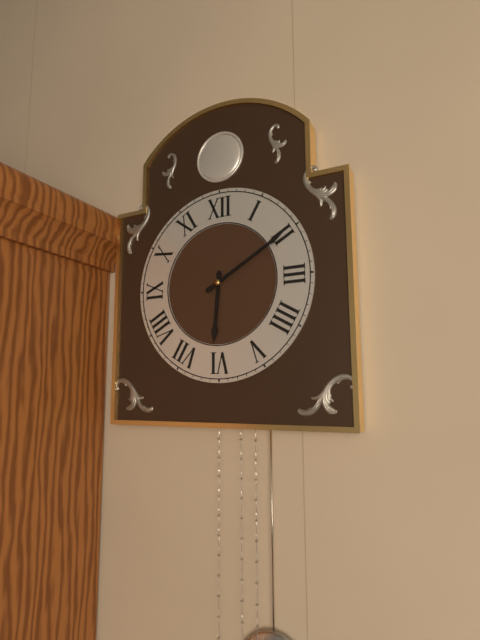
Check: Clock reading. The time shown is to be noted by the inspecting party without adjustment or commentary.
6:10
